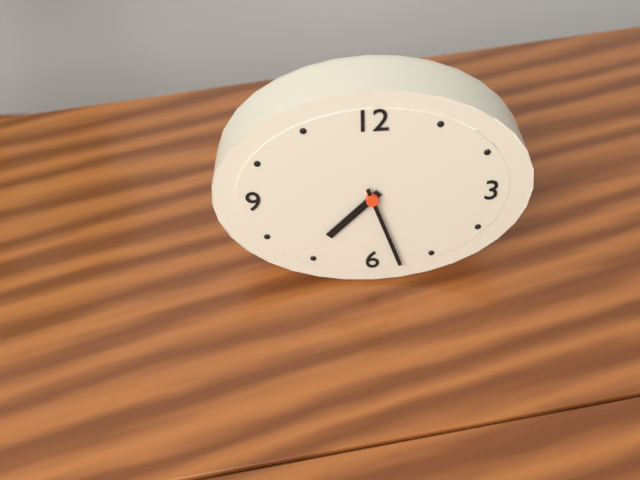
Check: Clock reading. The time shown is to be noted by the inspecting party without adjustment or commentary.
7:27
